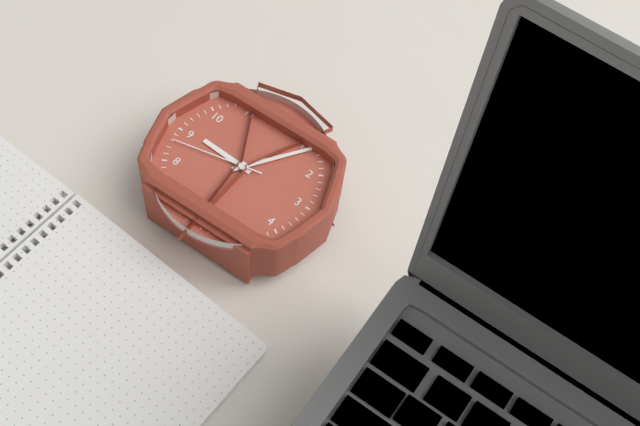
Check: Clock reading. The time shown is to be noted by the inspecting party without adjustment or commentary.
9:06:43
